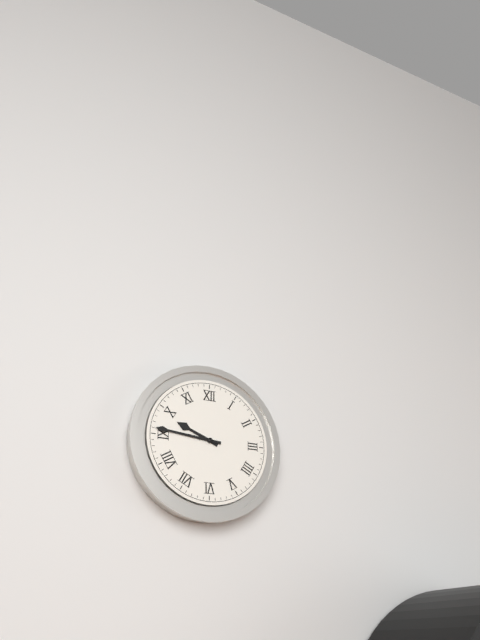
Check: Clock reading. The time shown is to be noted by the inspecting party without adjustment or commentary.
9:46
